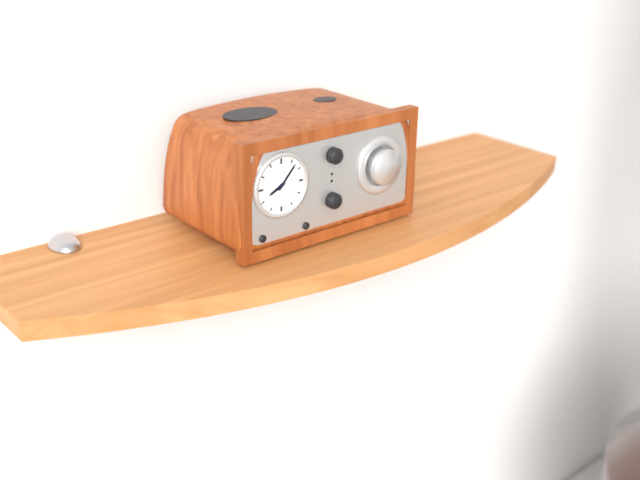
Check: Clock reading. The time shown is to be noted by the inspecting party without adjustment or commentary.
8:07
